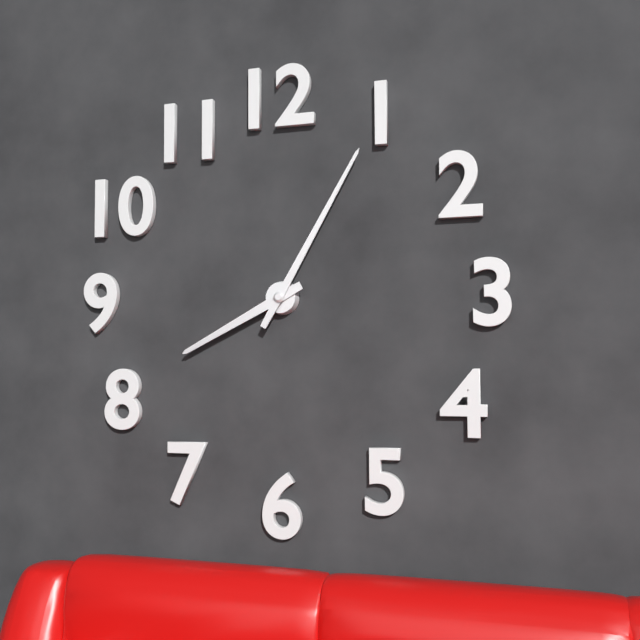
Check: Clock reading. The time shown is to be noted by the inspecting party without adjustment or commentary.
8:05
